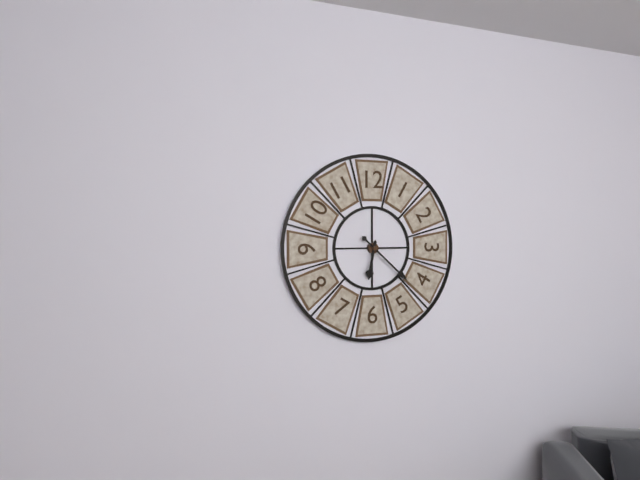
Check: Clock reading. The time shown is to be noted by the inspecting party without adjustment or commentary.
6:22
